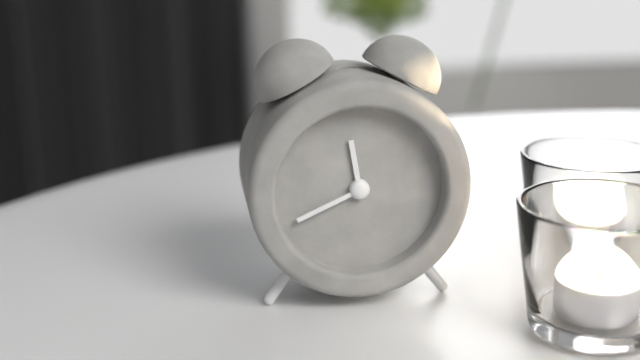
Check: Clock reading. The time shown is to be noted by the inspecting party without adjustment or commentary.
11:41
